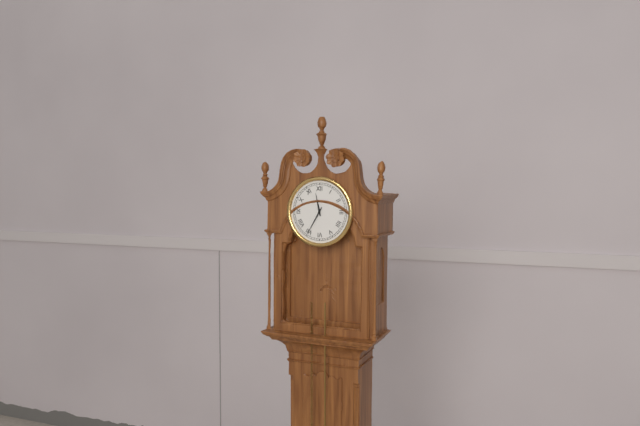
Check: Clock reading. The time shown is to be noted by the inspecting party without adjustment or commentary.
11:35
